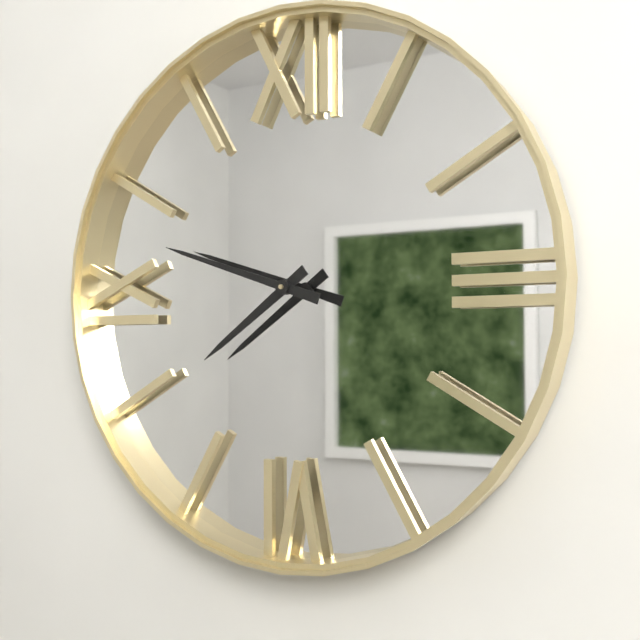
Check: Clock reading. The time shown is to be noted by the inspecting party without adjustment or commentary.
7:48
